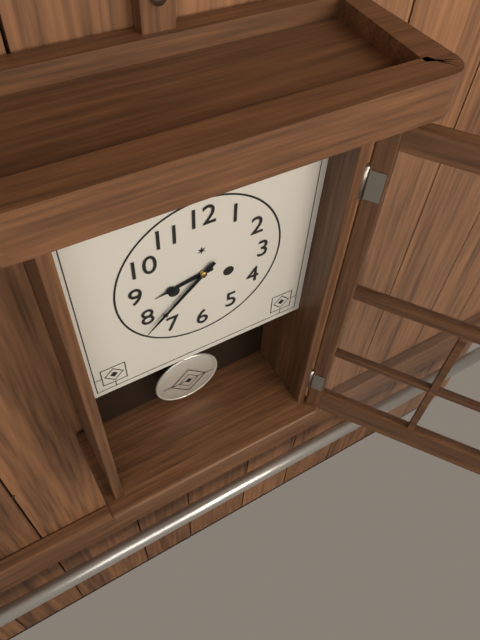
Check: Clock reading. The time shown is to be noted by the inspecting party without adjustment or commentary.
8:38
